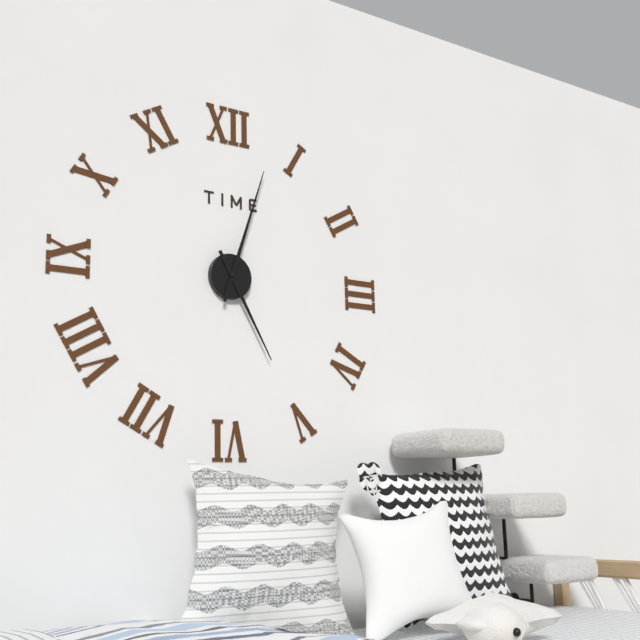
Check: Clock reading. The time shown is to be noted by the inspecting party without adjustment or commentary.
5:03
